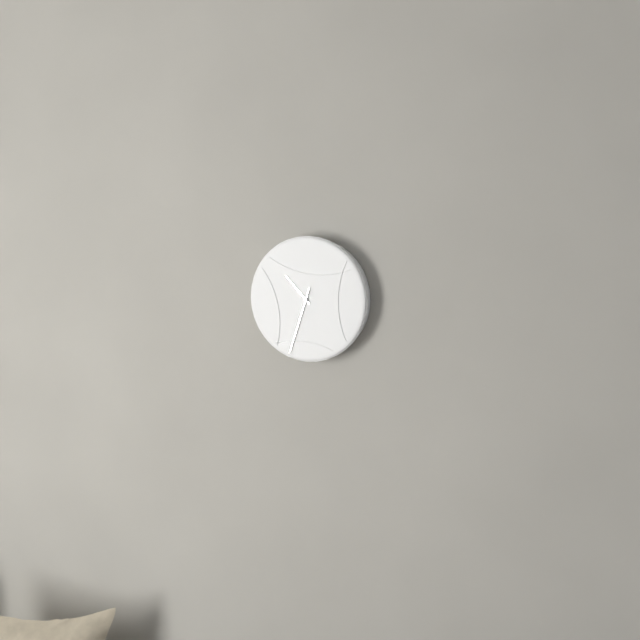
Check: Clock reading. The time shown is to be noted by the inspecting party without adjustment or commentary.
10:33
